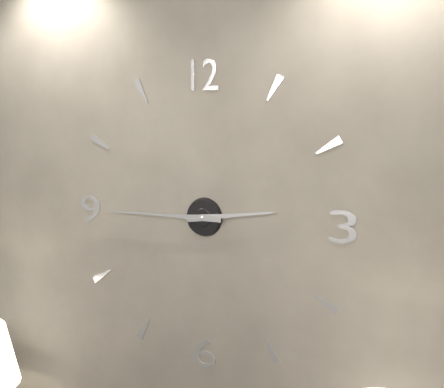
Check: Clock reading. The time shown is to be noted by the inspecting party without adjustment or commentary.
2:45
